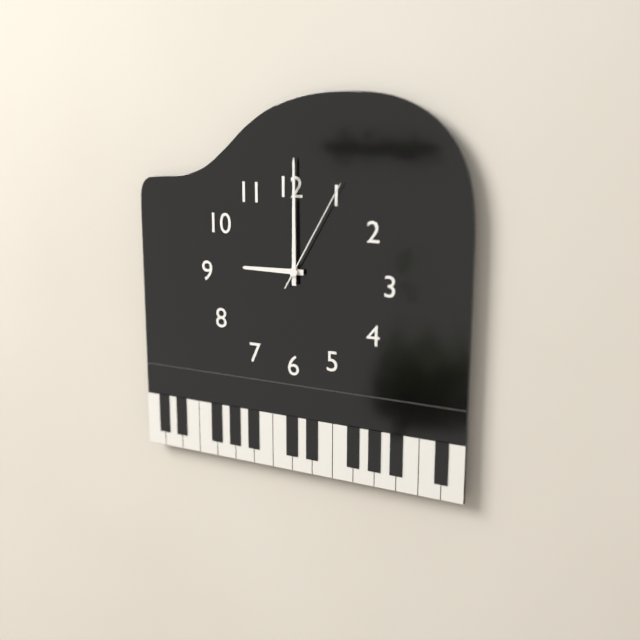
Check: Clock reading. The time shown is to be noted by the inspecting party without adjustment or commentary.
9:00:05
